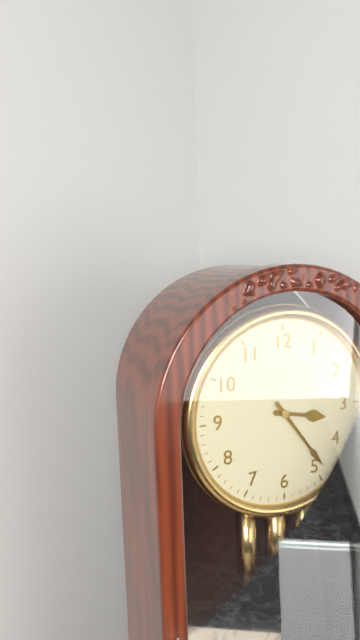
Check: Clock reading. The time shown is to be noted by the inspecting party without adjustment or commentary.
3:24
